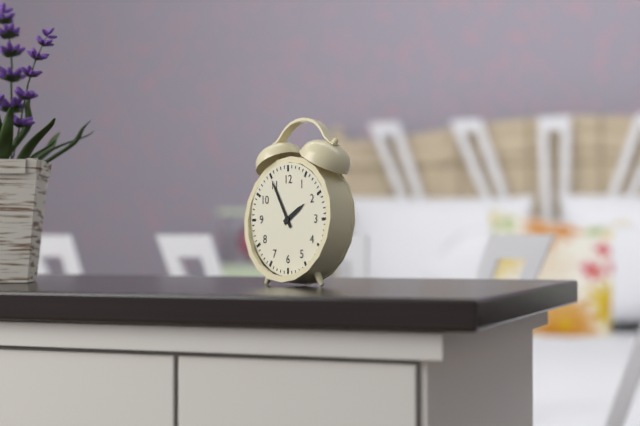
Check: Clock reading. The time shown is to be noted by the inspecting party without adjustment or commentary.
1:55
